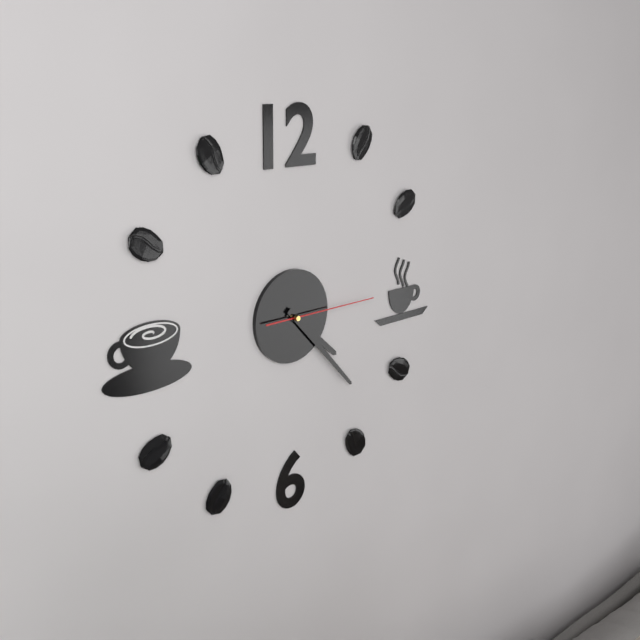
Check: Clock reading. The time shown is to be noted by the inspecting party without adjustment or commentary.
4:23:15
